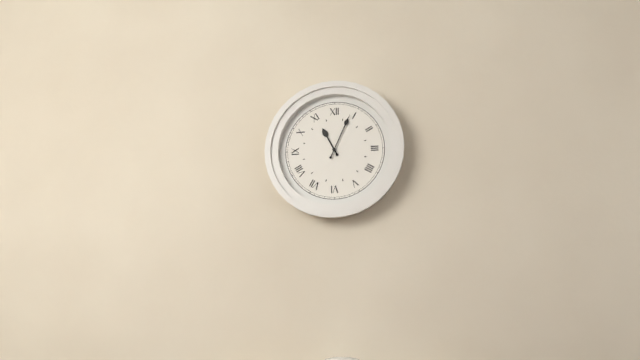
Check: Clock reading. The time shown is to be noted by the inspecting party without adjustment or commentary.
11:04
